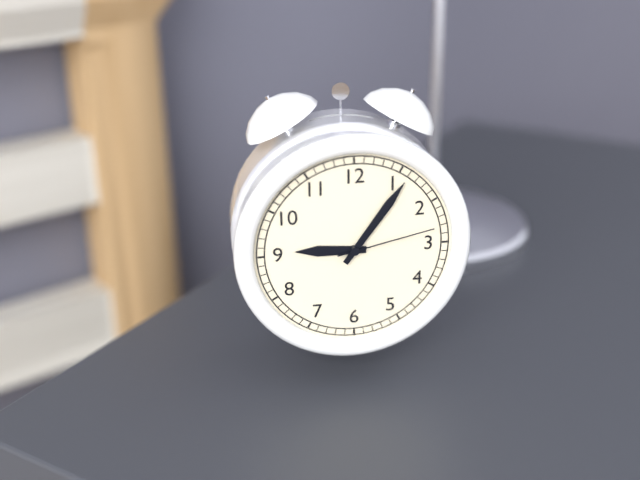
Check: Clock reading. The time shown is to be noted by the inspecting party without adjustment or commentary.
9:06:13
